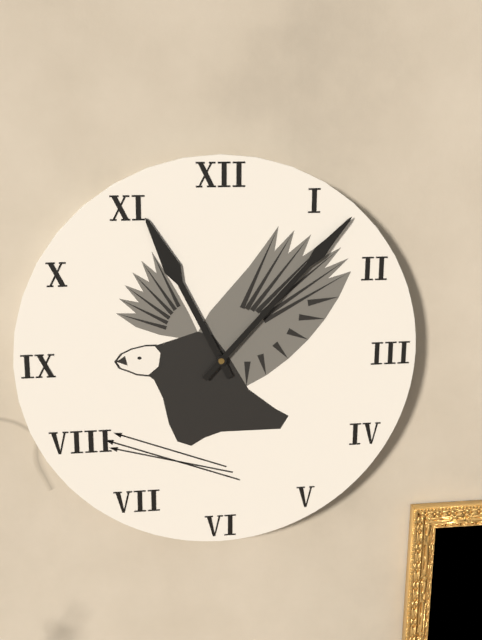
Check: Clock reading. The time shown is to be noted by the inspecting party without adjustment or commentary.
11:07
